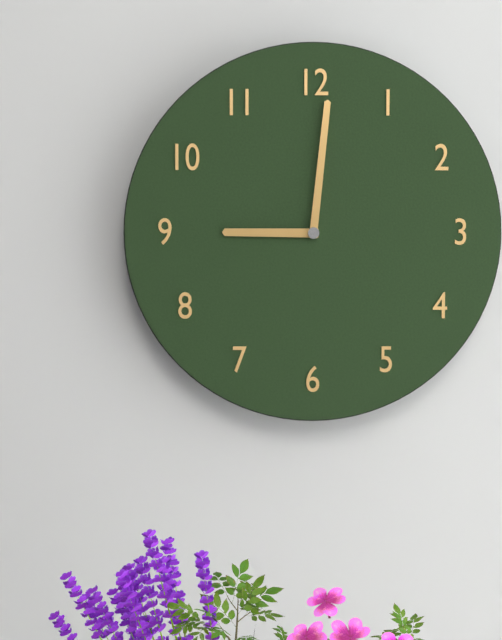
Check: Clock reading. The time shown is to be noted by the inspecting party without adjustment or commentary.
9:01
